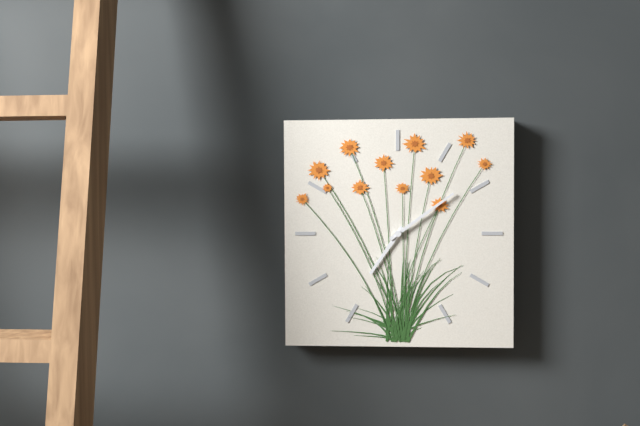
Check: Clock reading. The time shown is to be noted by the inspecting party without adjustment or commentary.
7:09
